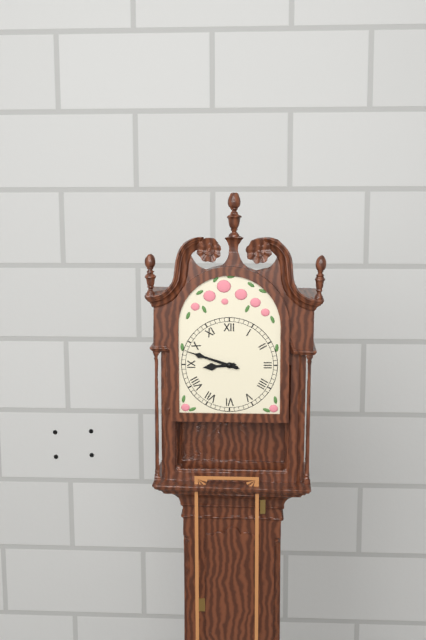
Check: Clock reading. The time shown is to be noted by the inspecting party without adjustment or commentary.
8:48
